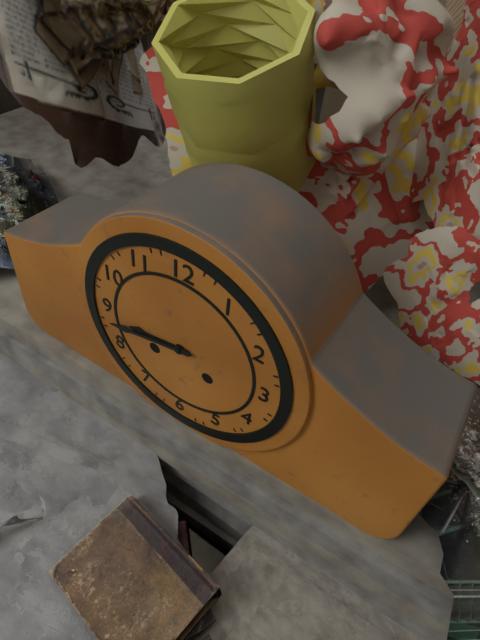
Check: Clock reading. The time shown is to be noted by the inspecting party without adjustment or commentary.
8:43
